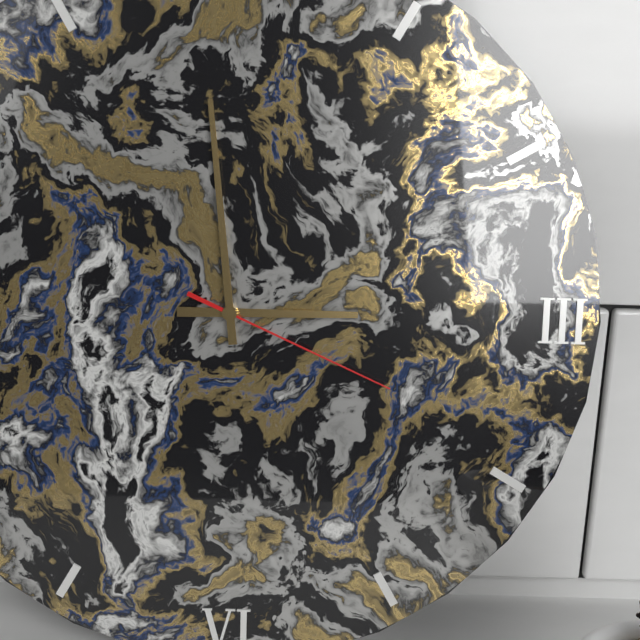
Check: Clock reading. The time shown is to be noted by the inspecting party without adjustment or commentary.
2:59:19
